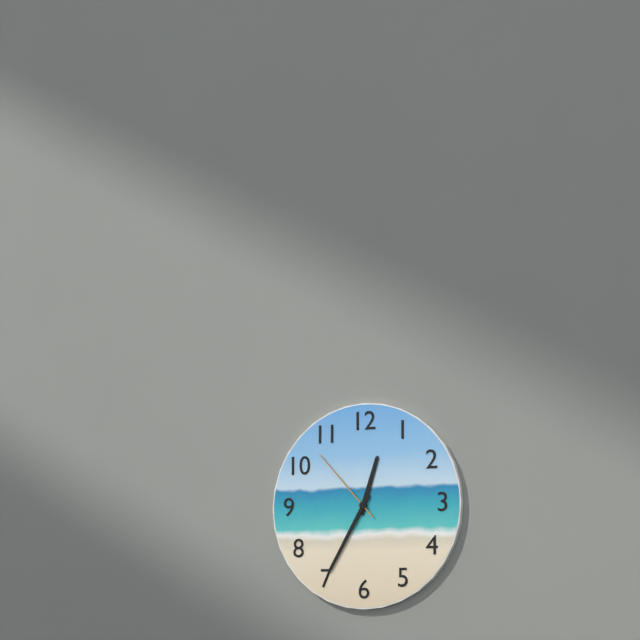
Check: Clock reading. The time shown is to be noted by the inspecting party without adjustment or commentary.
12:35:53
